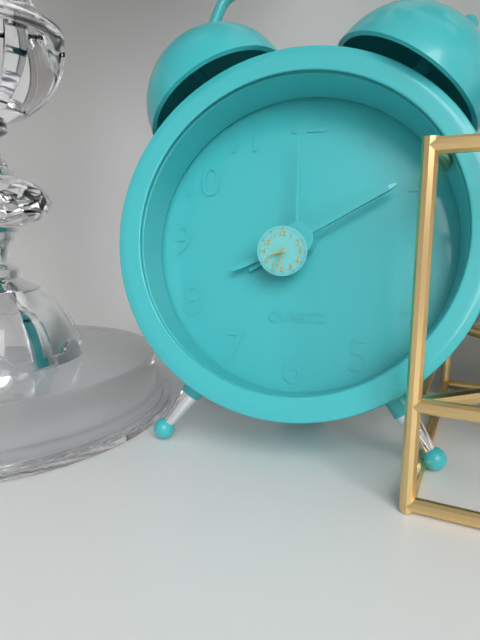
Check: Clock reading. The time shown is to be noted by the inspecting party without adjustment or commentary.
8:33
